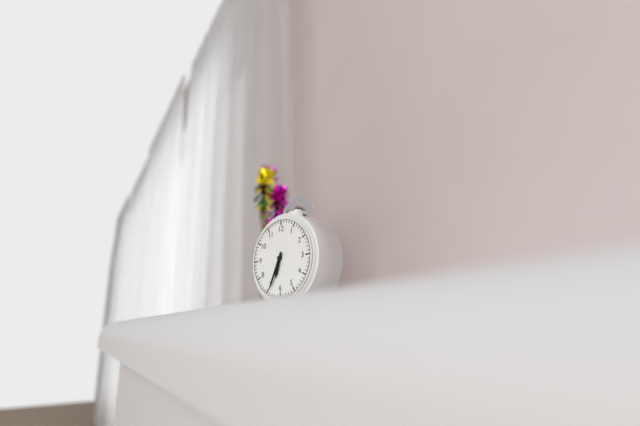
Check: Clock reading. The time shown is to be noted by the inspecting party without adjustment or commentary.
6:34
